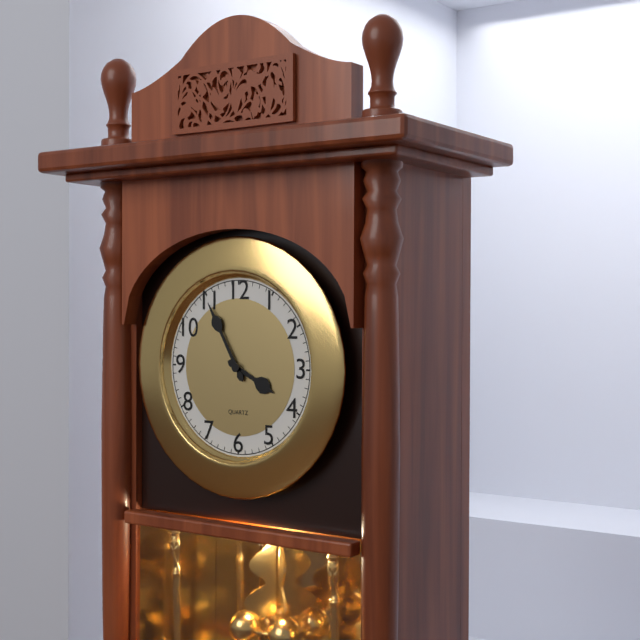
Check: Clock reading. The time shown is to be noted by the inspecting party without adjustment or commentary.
3:55
